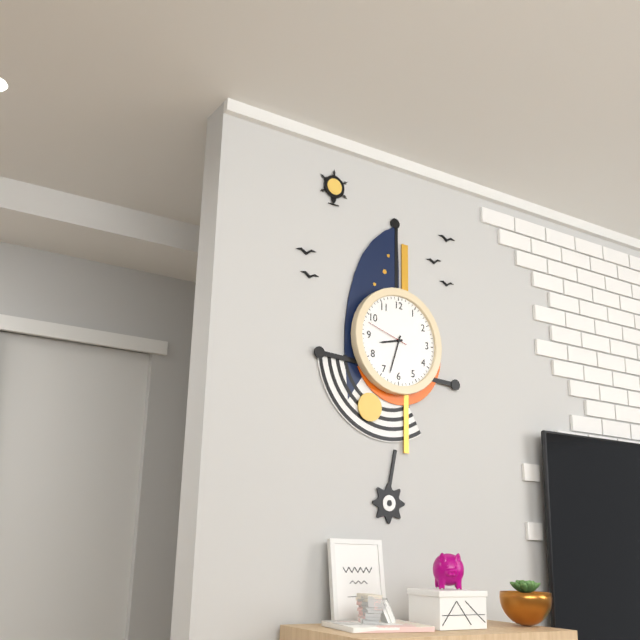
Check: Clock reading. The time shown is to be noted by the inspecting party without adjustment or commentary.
8:33
